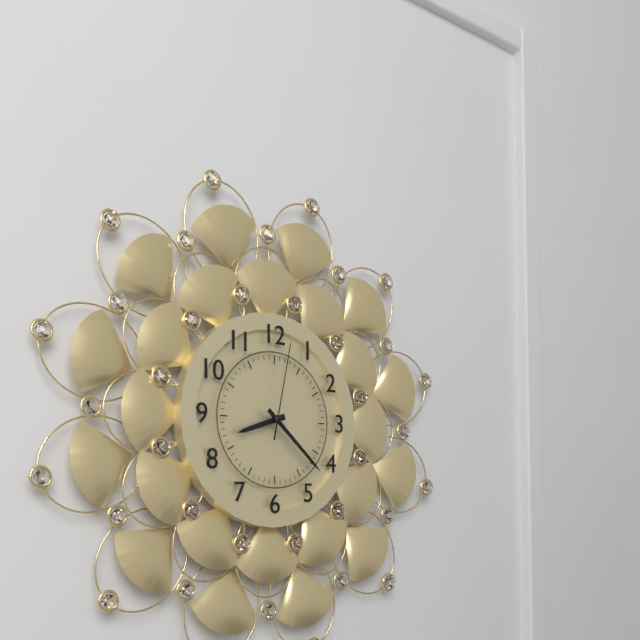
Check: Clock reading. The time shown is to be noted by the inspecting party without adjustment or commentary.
8:22:02
